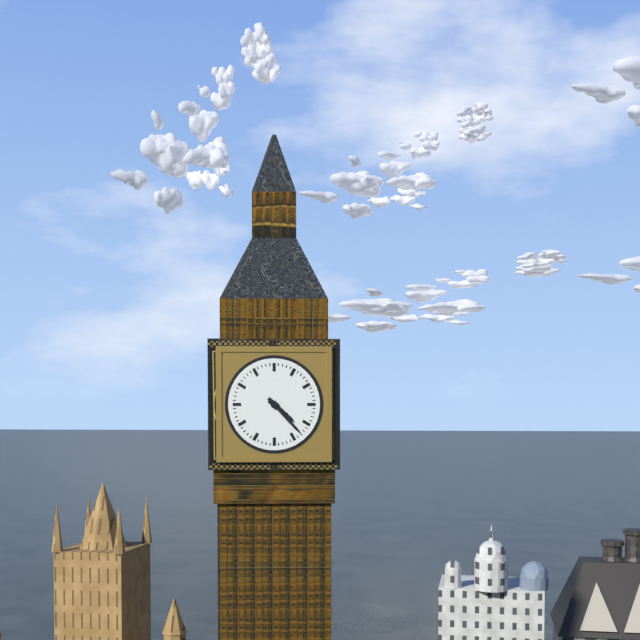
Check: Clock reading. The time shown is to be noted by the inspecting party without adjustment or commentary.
4:23
